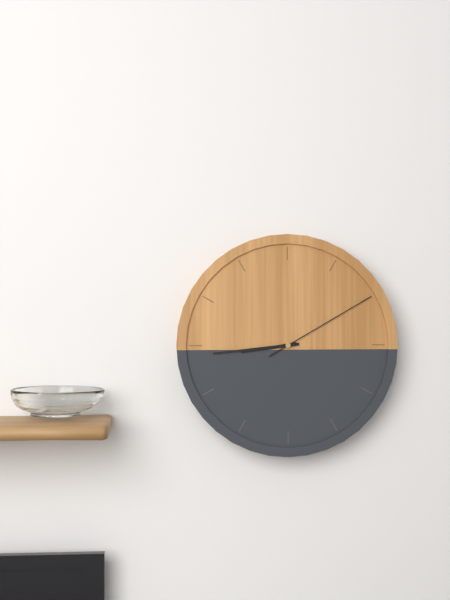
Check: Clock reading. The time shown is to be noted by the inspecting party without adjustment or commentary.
8:44:10
